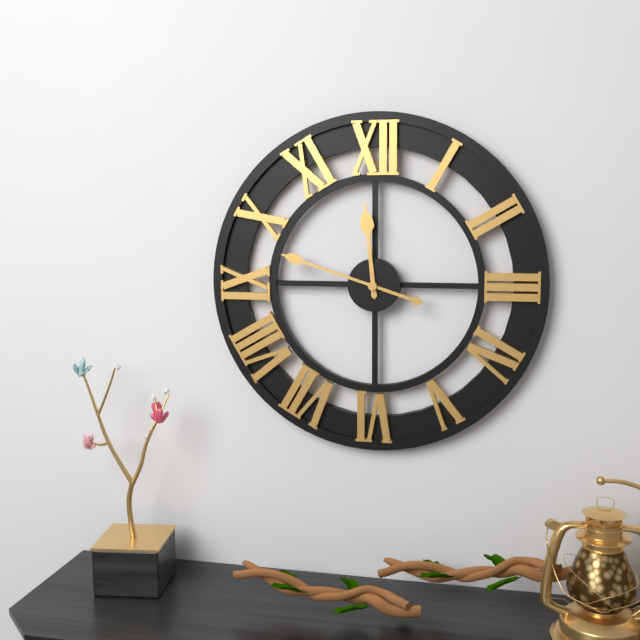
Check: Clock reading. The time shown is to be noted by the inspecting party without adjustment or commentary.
11:48
